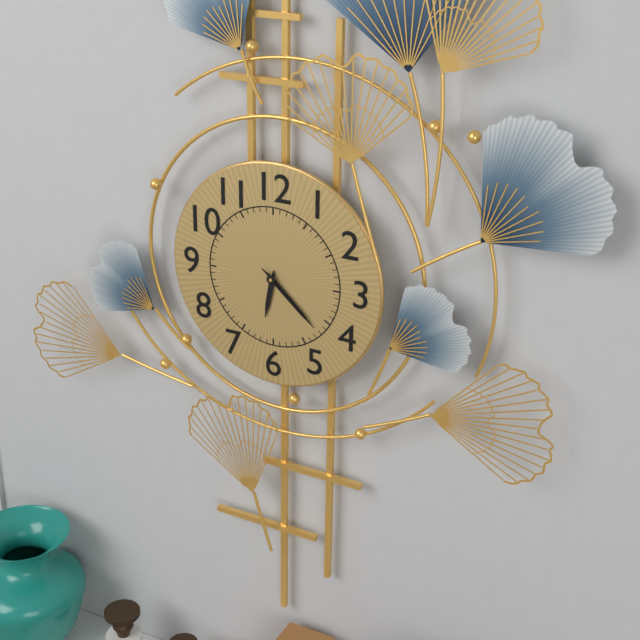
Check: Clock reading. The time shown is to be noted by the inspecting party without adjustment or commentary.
6:22:22
